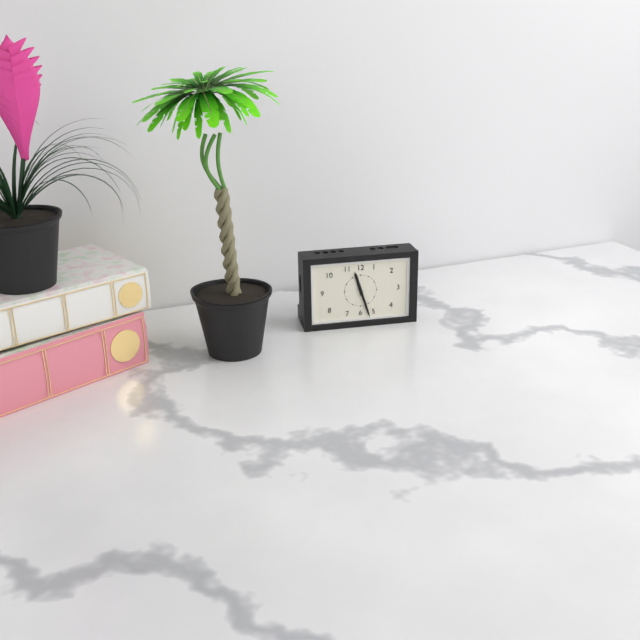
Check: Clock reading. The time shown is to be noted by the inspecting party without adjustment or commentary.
11:27
